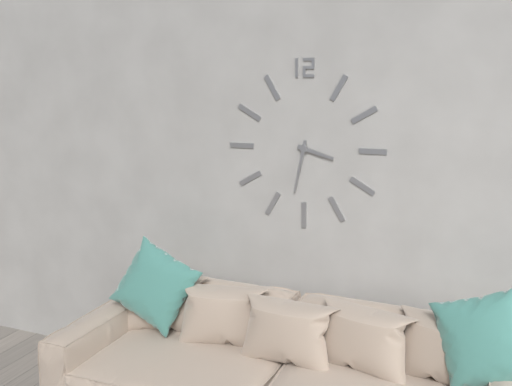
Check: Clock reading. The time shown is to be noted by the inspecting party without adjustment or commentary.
3:32
